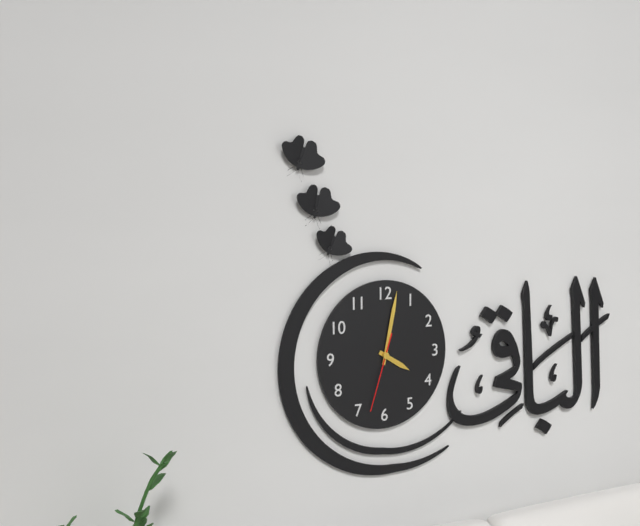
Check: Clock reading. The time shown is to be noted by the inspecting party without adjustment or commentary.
4:02:33
